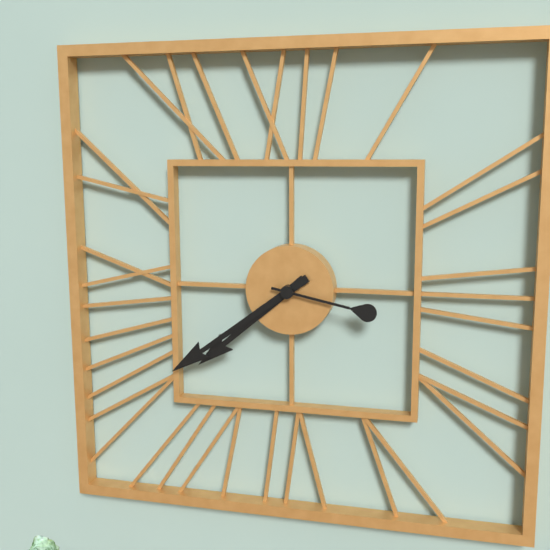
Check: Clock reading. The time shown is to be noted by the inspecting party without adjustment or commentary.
7:39:17
